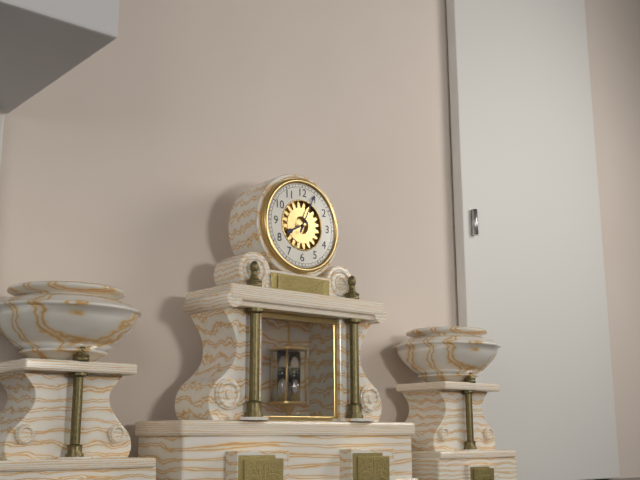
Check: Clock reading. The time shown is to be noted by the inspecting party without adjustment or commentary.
8:04
